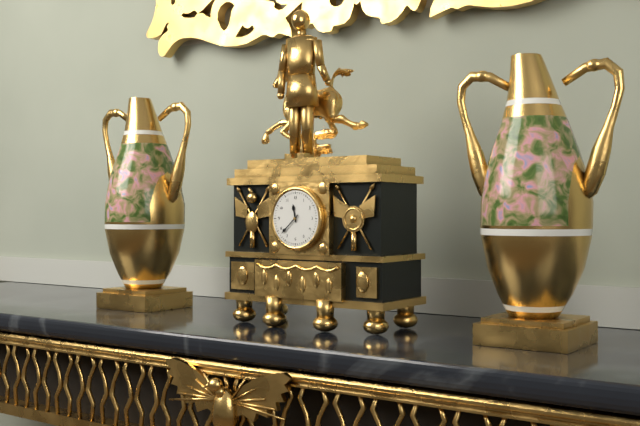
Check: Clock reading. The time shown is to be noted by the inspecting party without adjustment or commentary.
11:38
